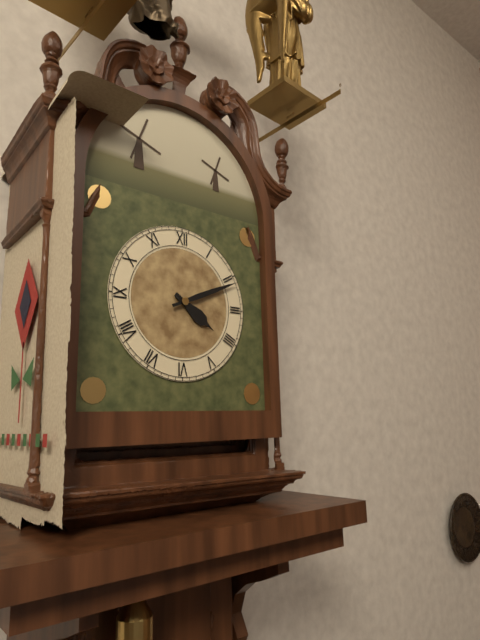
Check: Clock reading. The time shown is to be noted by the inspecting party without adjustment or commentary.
4:11
